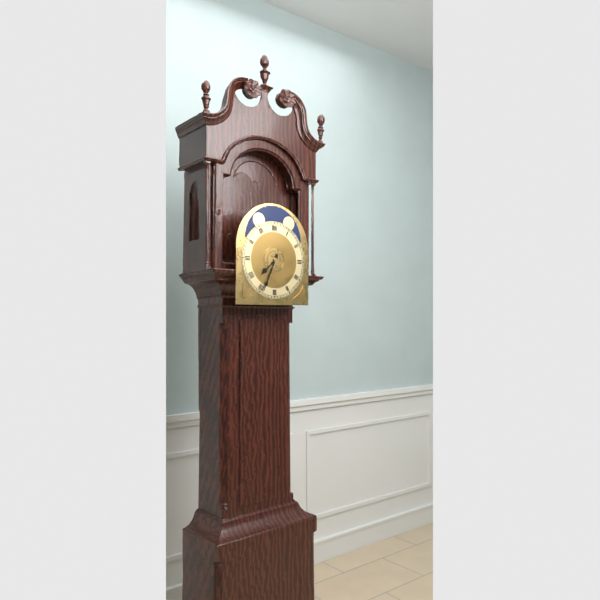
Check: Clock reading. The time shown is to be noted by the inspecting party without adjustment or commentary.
7:34
